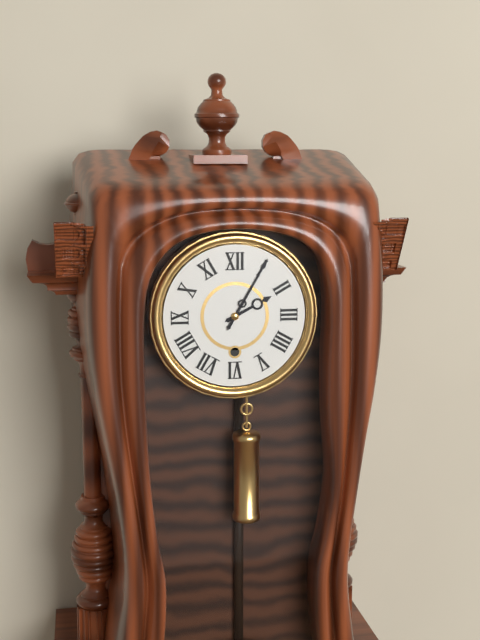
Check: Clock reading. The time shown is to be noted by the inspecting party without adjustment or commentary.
2:05
